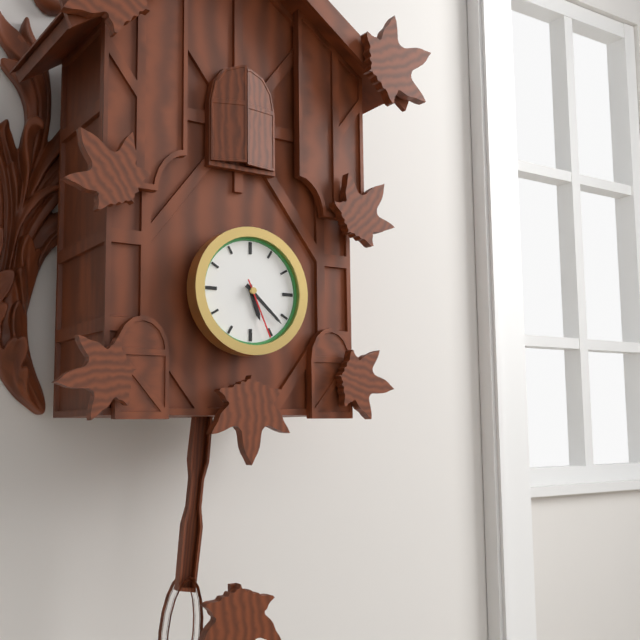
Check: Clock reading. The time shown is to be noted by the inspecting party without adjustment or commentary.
5:22:26
